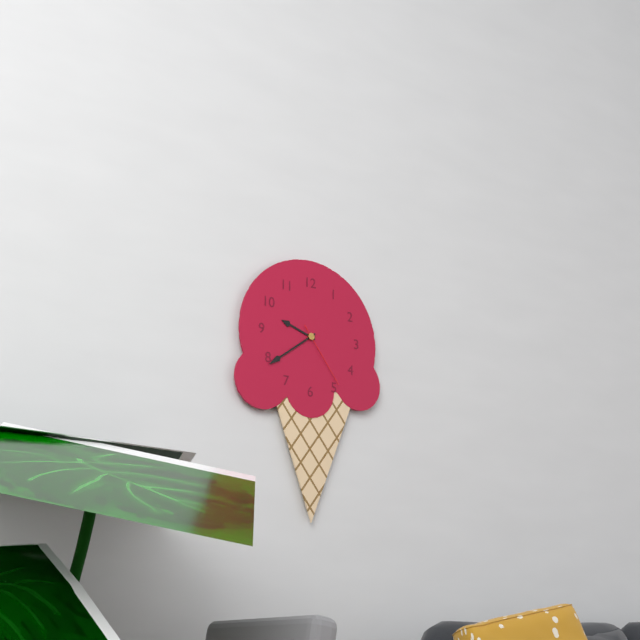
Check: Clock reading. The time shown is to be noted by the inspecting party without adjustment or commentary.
9:39:24
